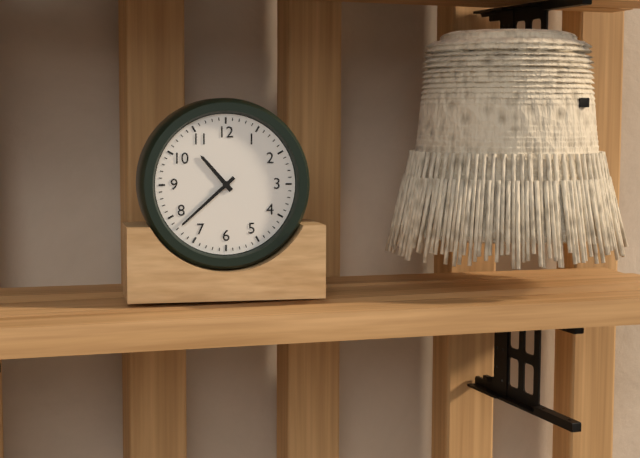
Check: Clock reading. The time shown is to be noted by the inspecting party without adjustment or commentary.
10:38
